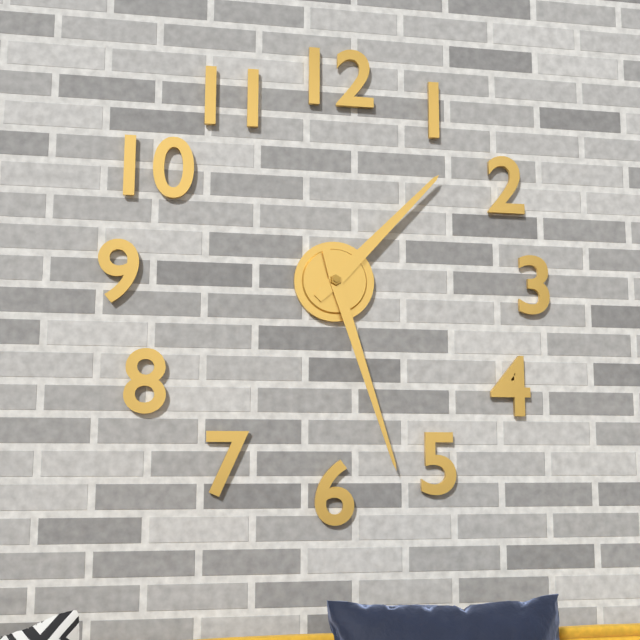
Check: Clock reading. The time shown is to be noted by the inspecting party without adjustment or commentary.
1:27
